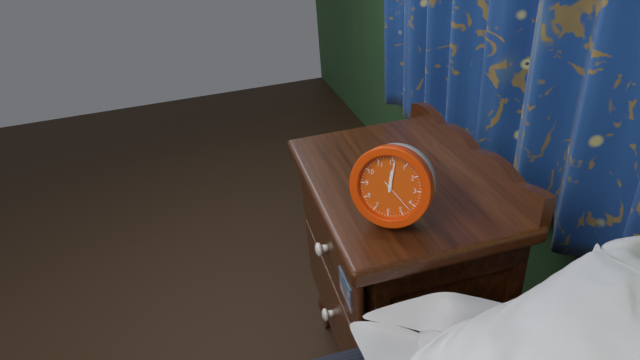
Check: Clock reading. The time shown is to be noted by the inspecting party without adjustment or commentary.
12:01
